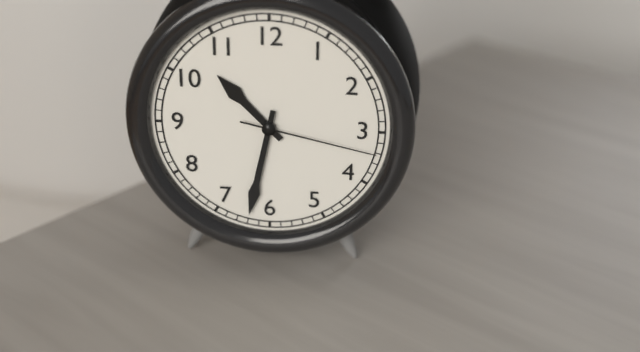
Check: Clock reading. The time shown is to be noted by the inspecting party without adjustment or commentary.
10:32:17
